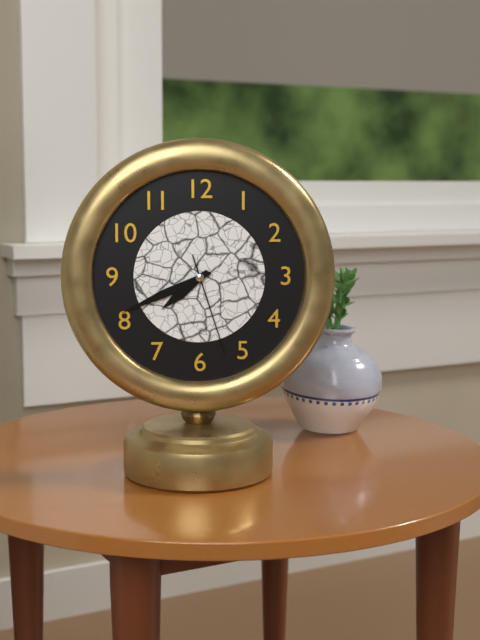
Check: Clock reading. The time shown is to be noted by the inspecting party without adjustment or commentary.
7:41:27
